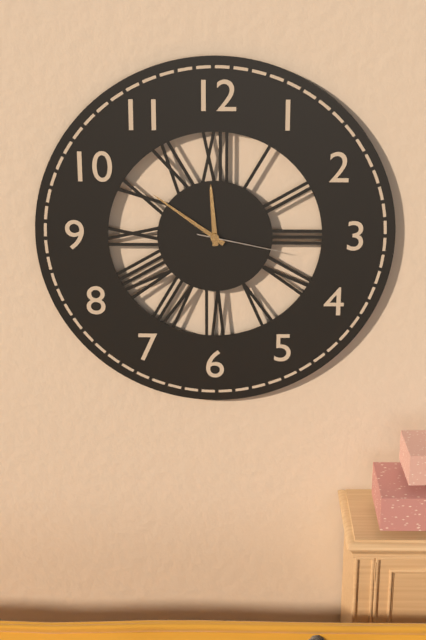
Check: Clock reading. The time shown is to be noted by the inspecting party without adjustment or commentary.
11:51:17
